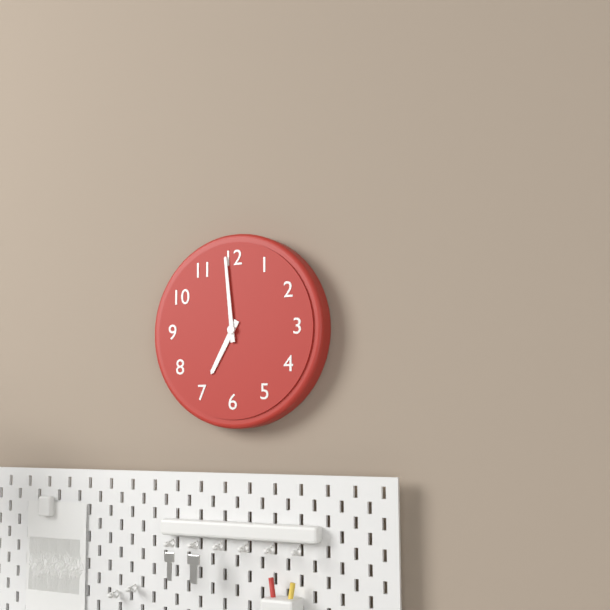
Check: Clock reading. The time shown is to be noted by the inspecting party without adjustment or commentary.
6:59
